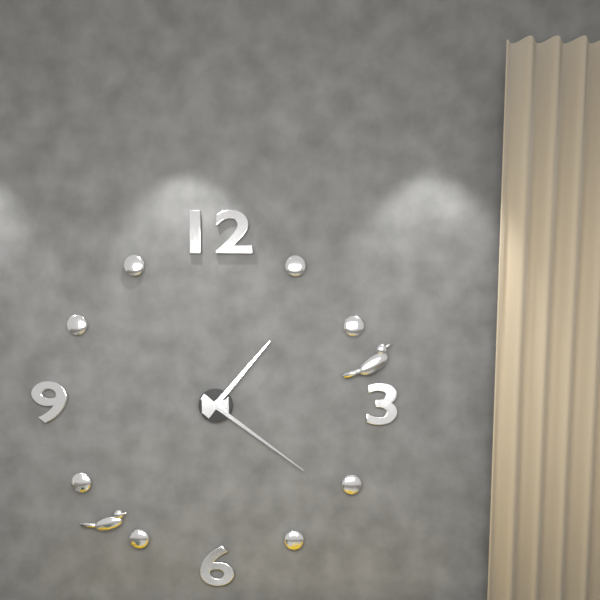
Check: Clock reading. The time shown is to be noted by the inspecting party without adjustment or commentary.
1:21
